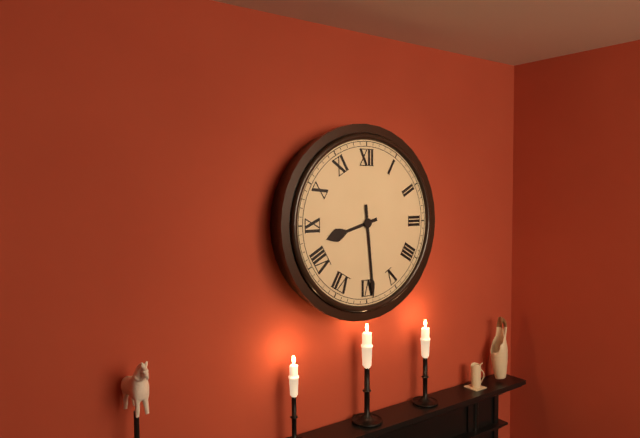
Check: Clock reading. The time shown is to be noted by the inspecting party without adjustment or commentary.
8:29
